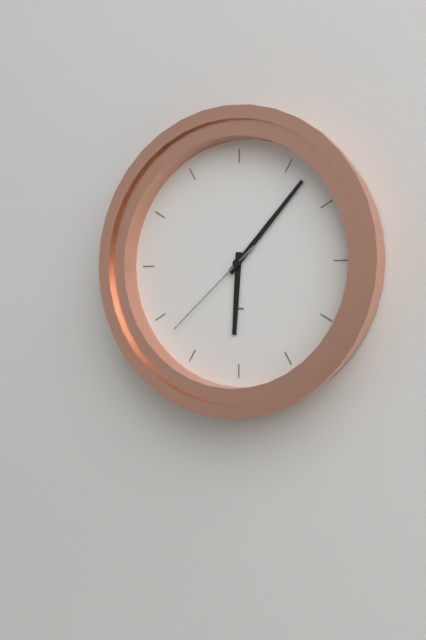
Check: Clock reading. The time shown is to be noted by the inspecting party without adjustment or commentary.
6:07:38
